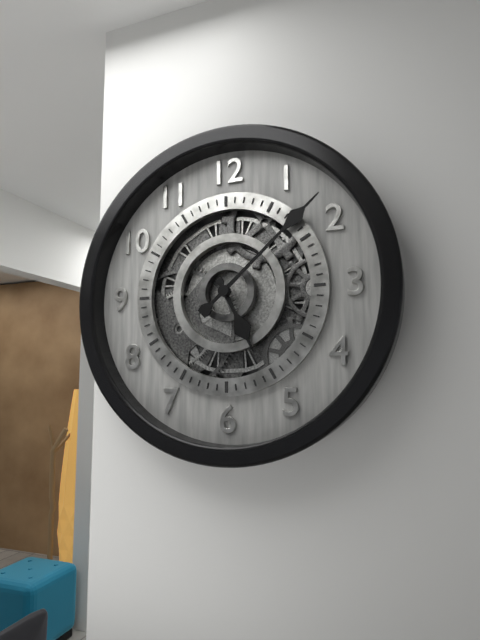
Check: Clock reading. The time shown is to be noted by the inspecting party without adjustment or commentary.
5:08
